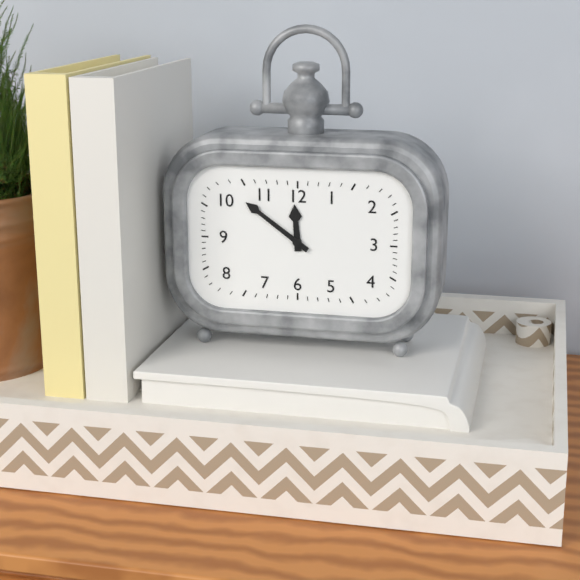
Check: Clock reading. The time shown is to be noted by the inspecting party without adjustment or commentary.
11:51
